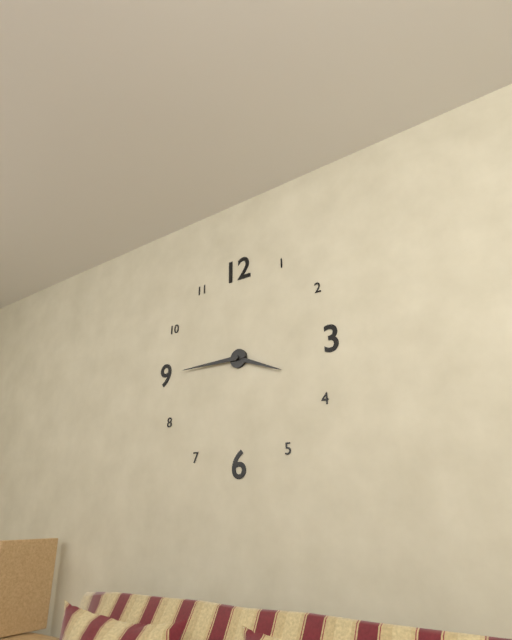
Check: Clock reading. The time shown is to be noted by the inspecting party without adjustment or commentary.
3:45
